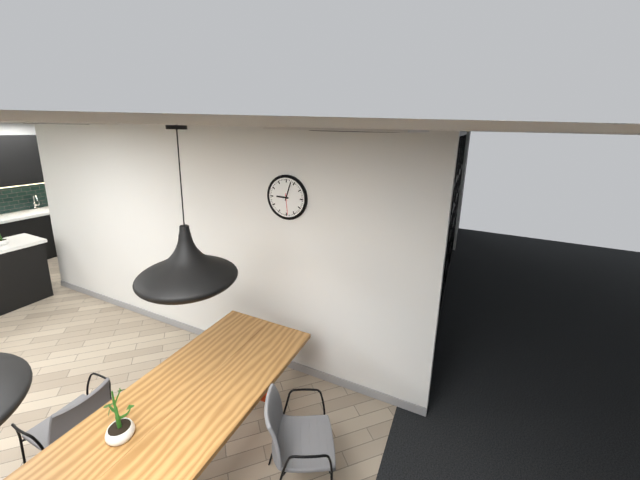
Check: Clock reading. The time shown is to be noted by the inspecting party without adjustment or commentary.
9:03
